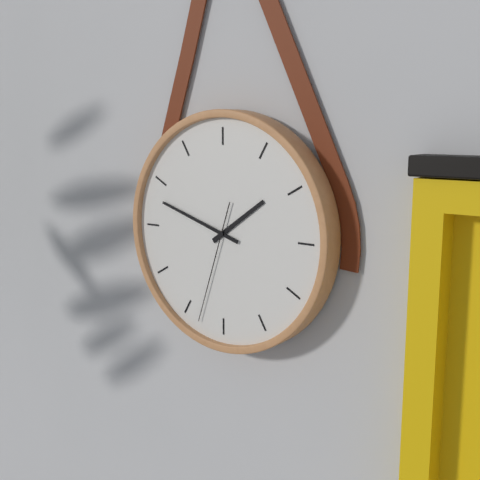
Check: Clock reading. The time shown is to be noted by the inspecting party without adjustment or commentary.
1:48:33
